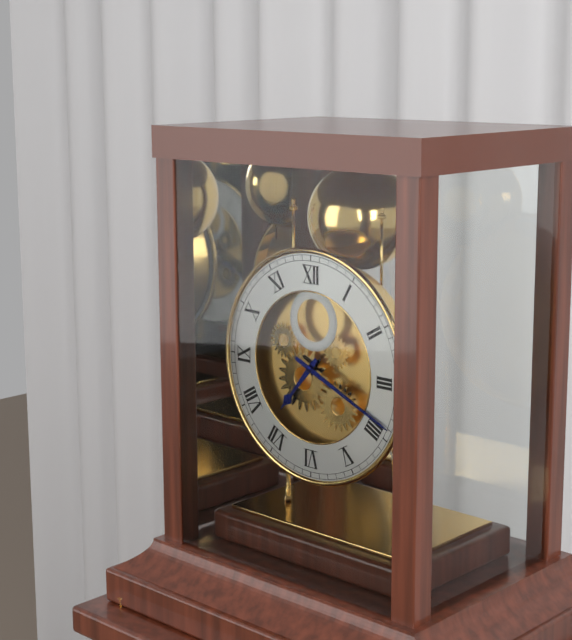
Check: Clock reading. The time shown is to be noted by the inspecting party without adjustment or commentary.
7:19
